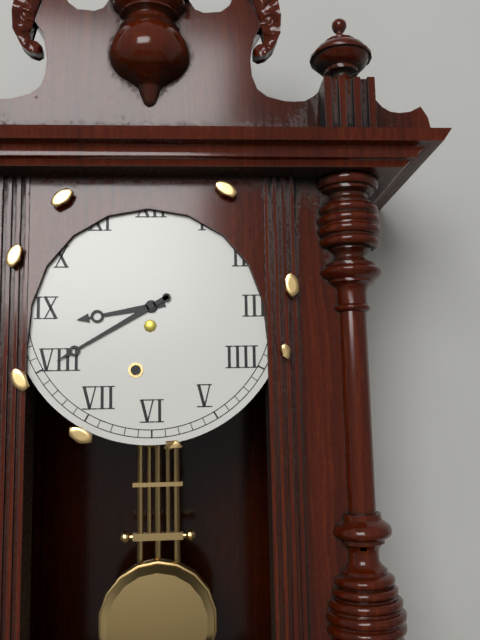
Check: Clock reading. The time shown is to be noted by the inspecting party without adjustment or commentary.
8:40
